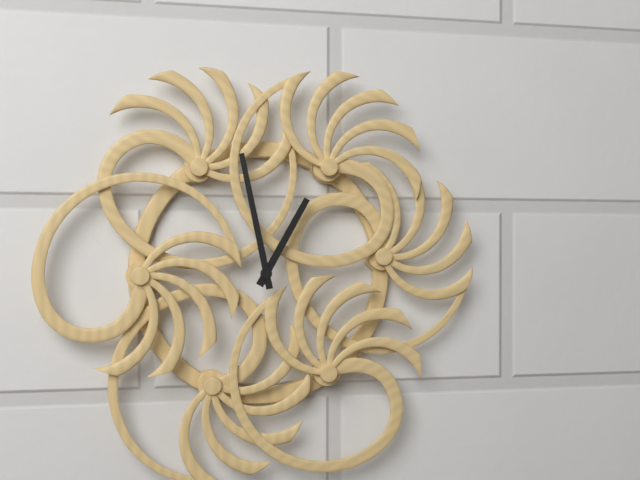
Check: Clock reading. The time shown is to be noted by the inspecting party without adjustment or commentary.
12:58
